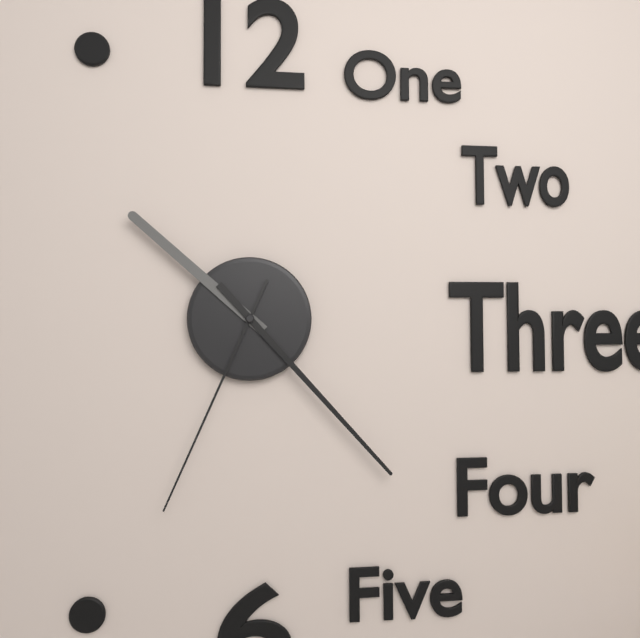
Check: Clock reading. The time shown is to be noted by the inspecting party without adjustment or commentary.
10:23:34
